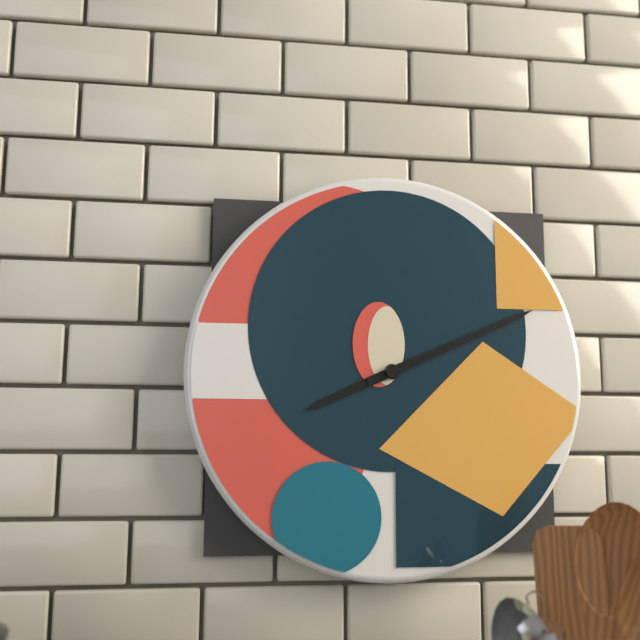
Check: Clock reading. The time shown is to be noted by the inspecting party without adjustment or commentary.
8:11
